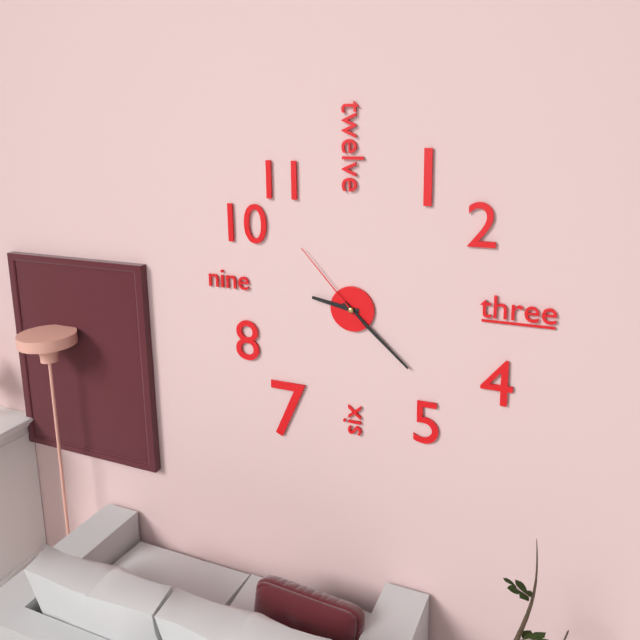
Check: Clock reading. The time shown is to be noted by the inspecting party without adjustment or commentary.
9:22:53
